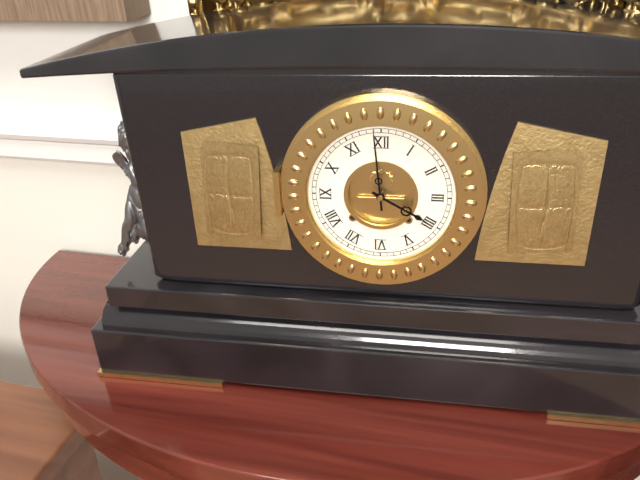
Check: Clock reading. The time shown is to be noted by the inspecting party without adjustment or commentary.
3:59
